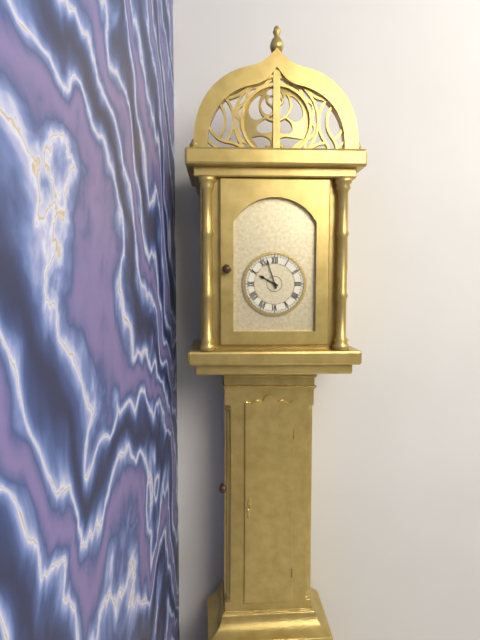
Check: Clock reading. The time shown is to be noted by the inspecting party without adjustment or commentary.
9:57
